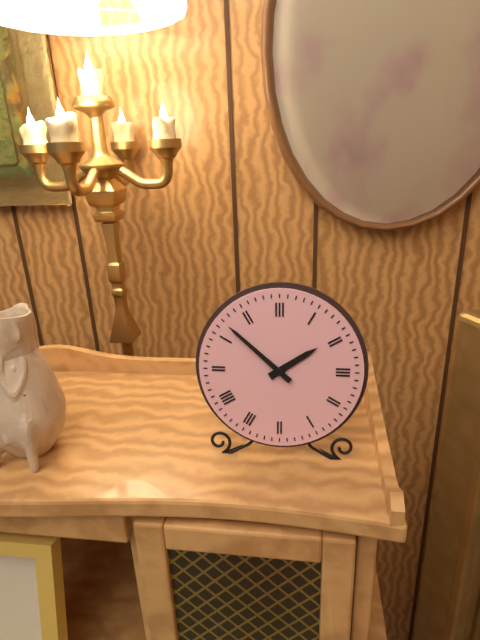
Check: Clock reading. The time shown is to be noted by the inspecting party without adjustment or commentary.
1:52
